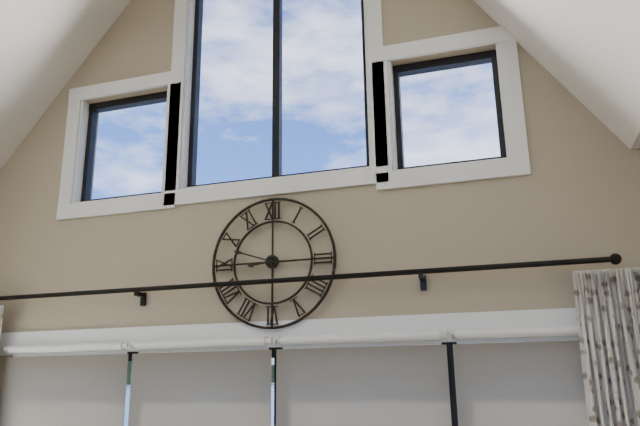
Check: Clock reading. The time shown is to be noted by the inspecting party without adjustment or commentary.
8:48
